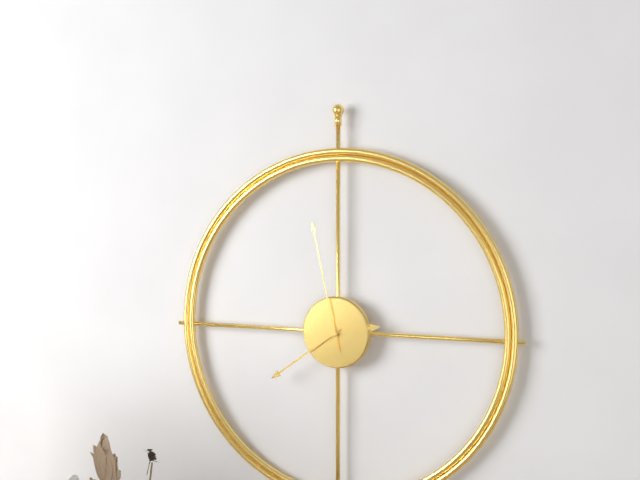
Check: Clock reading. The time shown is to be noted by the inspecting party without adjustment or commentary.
2:39:58
